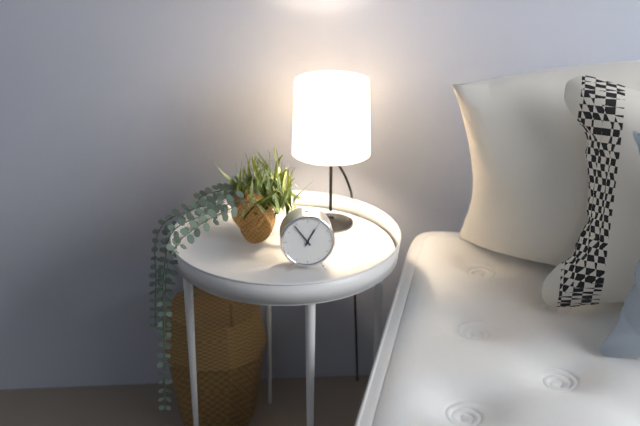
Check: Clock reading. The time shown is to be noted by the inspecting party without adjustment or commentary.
12:54
